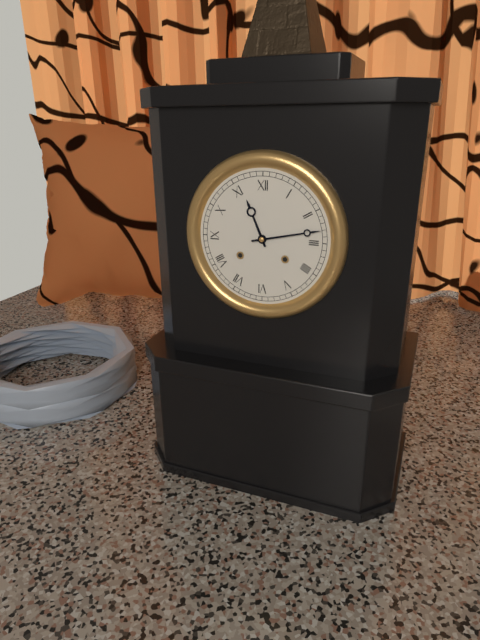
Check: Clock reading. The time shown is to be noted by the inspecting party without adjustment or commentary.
11:13
